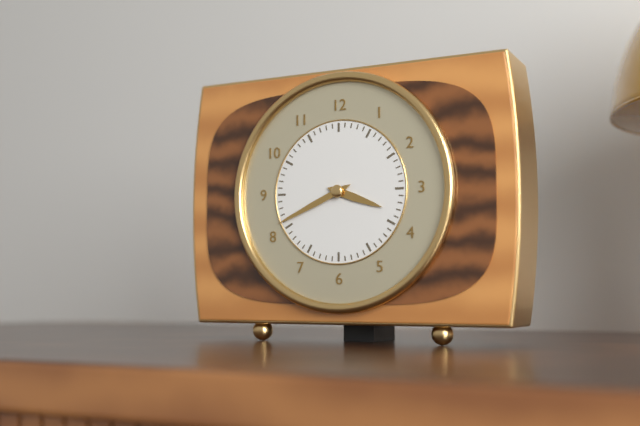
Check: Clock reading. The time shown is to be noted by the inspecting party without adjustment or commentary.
3:41
